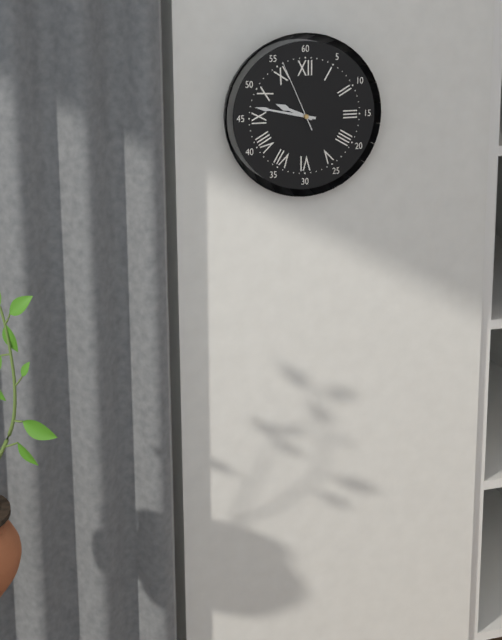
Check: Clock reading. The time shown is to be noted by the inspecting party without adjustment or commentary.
9:47:56
